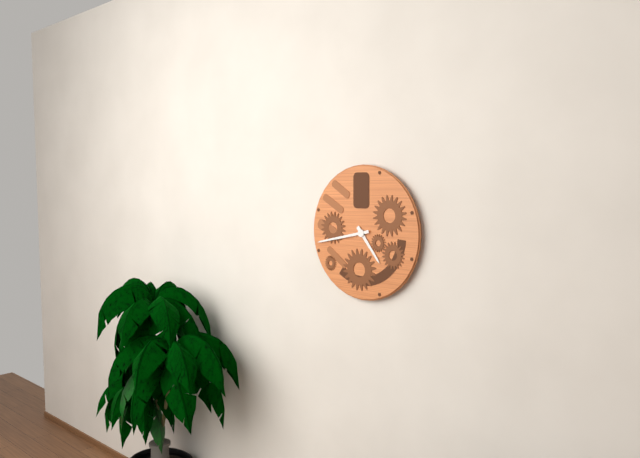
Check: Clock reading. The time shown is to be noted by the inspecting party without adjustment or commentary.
4:43
